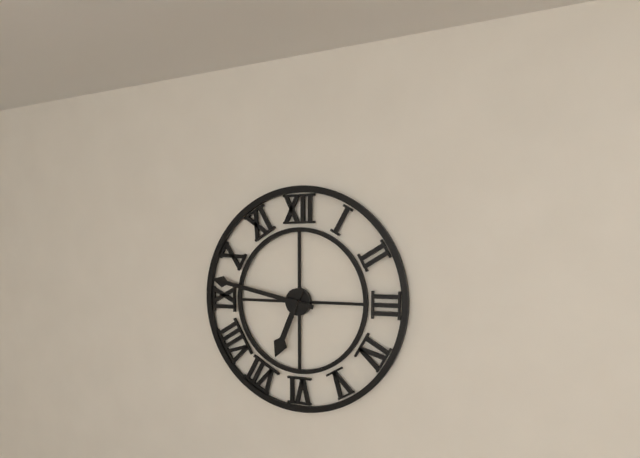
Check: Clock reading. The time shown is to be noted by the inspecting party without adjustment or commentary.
6:47
